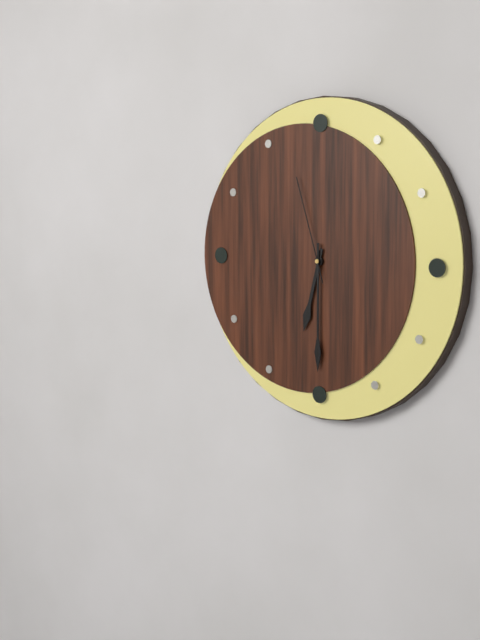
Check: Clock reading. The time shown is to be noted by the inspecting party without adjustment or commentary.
6:30:57
